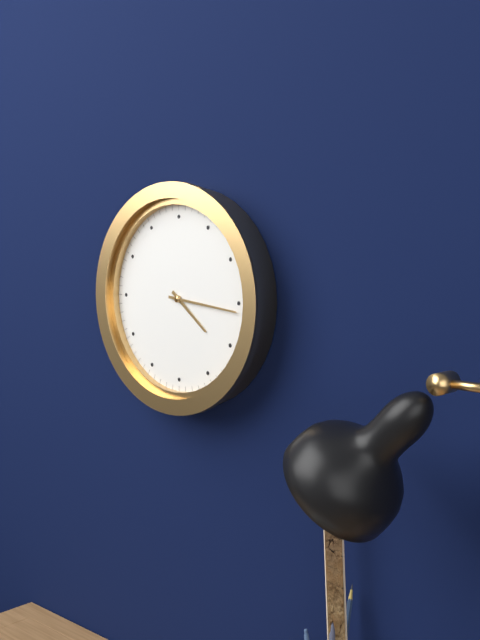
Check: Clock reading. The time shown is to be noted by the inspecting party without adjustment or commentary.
4:16
